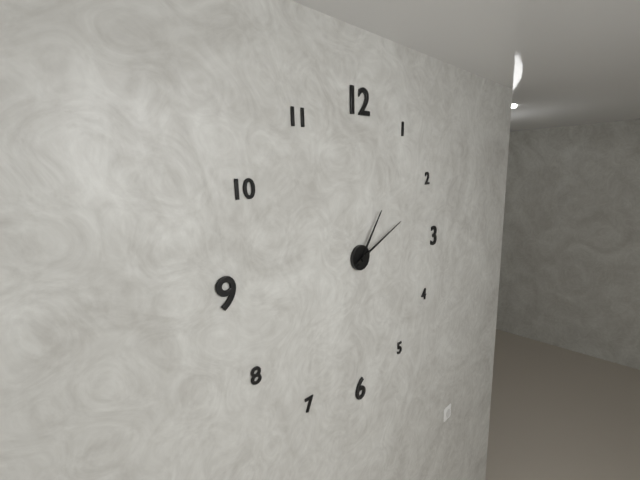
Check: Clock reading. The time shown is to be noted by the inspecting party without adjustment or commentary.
1:11
